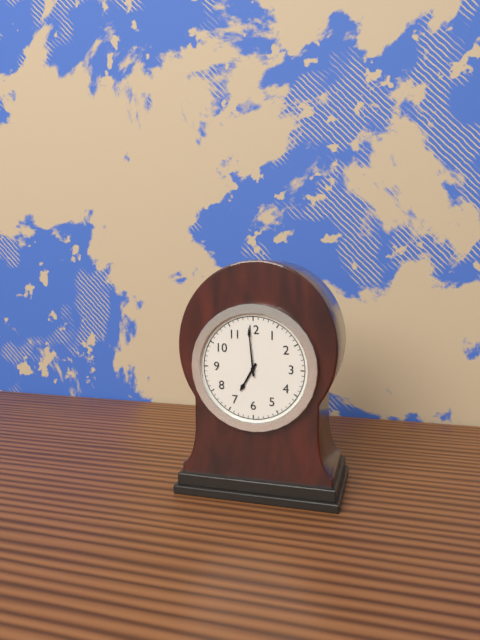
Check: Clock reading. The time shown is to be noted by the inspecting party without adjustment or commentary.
6:59
